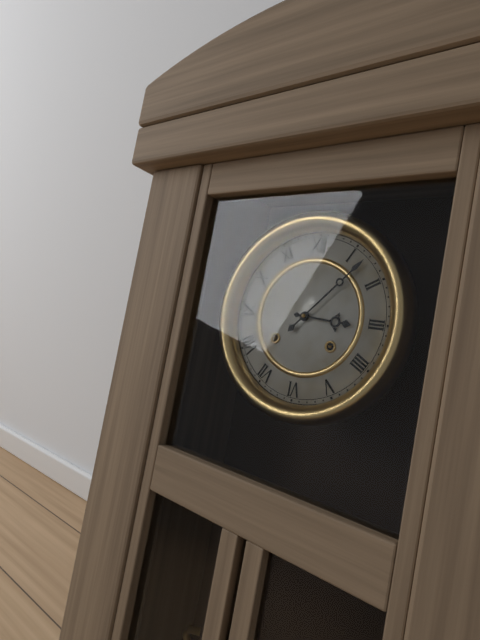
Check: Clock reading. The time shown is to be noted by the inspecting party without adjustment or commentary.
3:07
